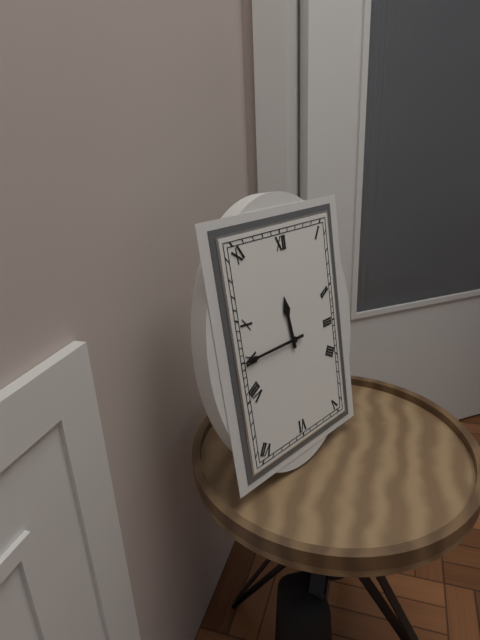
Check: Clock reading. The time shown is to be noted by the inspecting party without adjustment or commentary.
11:45
